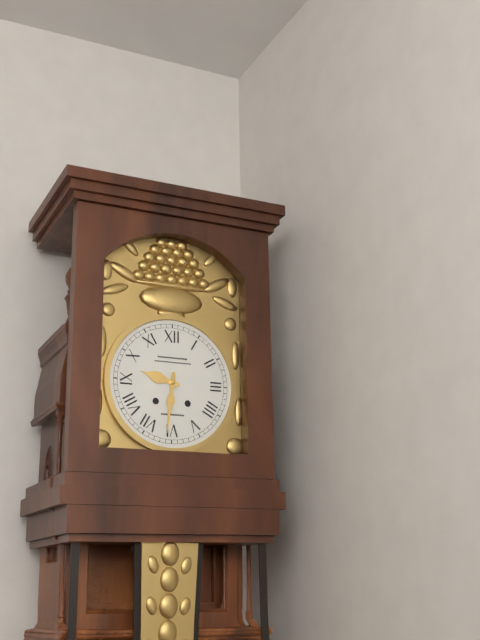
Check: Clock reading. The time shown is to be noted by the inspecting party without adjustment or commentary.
9:31
